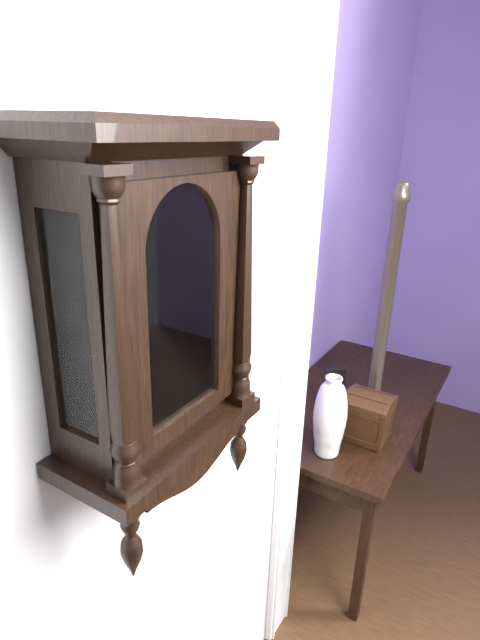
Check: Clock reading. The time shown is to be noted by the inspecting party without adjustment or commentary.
8:35
